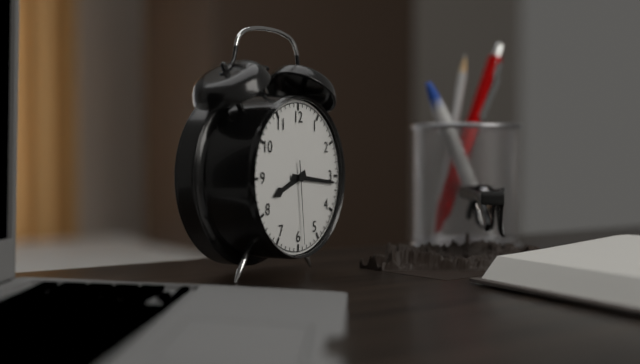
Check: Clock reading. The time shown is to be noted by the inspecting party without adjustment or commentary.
8:16:29
